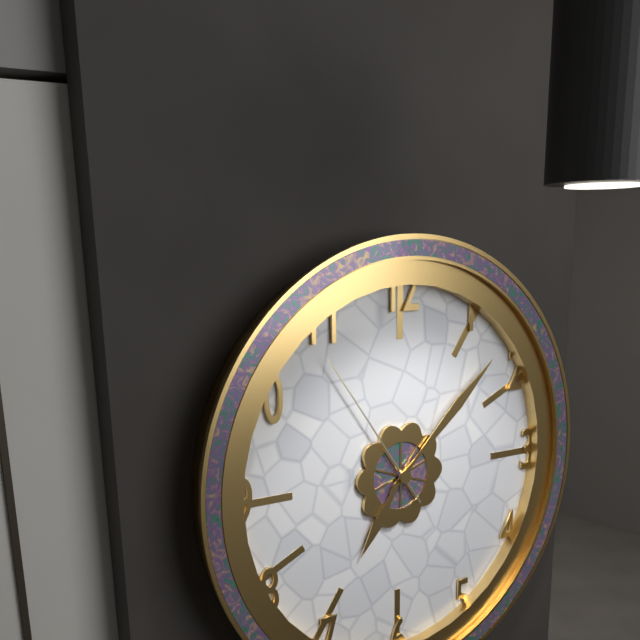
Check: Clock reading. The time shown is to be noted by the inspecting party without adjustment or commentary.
7:08:54
